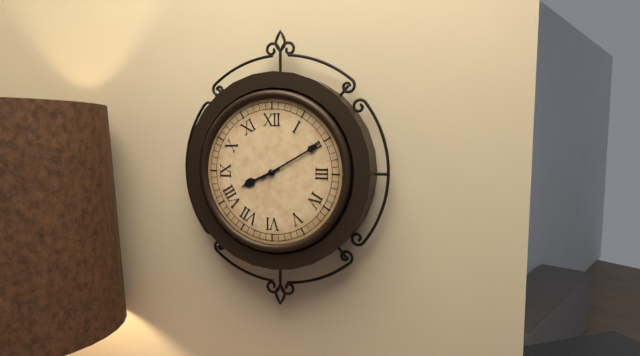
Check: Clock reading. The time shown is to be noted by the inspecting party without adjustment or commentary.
8:10
